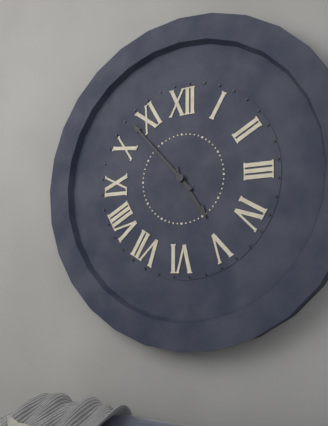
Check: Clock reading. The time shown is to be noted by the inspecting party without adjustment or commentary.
4:53
